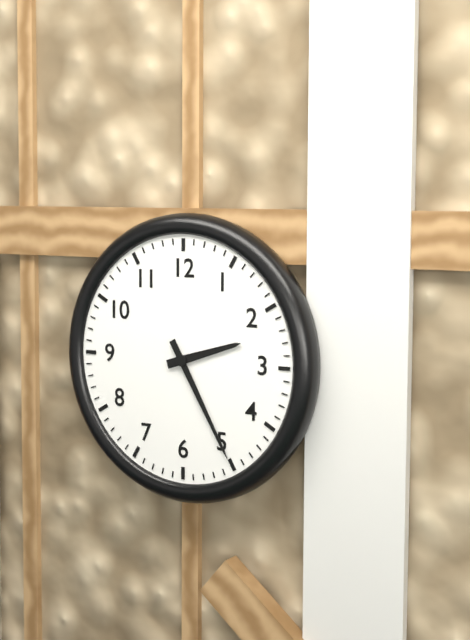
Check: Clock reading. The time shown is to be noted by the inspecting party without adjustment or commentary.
2:25
